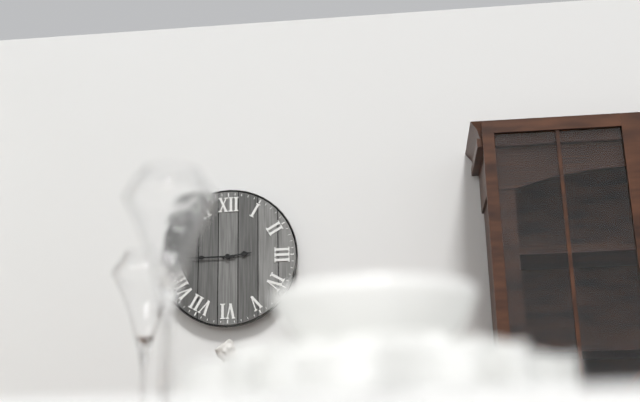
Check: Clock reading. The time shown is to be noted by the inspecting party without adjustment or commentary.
2:45
